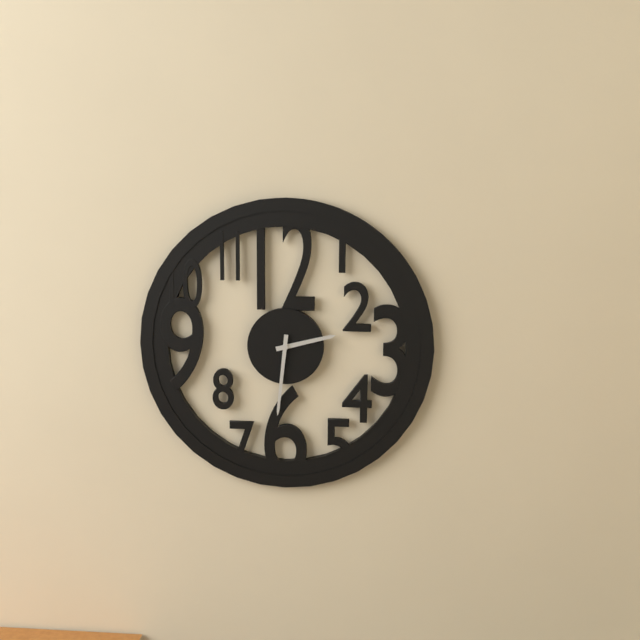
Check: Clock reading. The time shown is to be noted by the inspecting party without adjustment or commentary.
2:31
